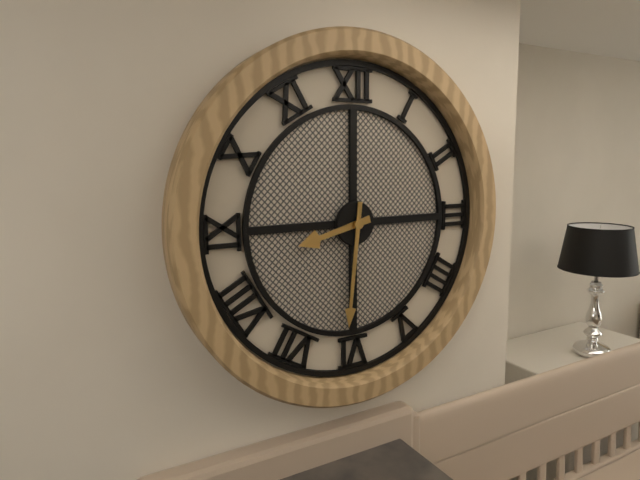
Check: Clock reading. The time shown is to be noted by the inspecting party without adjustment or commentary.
8:31
